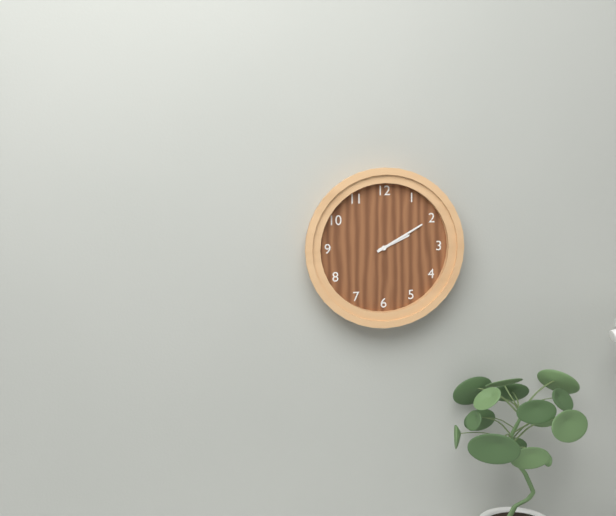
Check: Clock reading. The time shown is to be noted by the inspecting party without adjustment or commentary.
2:10
